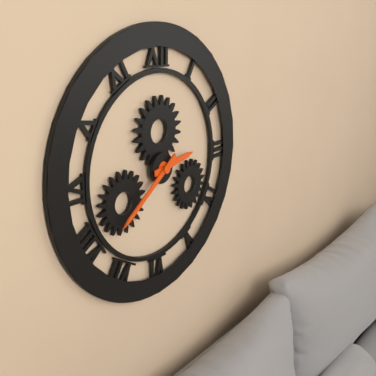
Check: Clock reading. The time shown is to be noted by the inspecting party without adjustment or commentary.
2:39
